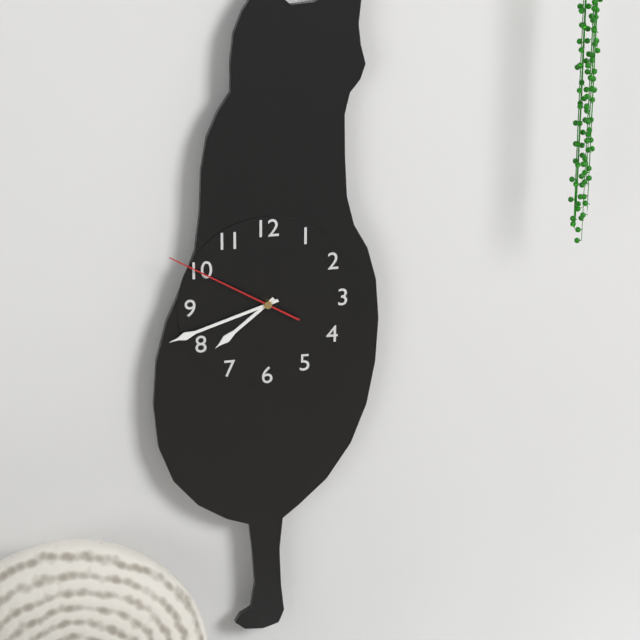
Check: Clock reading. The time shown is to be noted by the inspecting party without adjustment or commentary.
7:42:50
